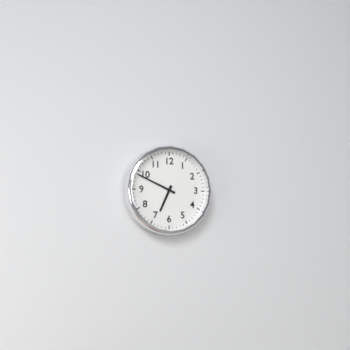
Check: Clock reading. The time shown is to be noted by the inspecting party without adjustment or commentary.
6:49
